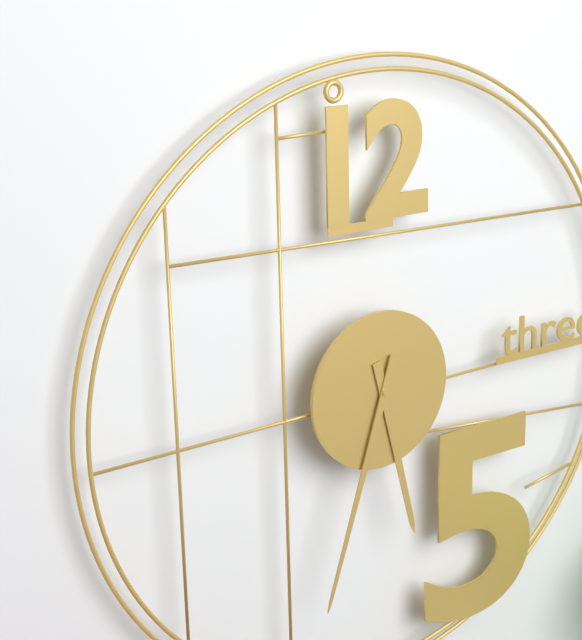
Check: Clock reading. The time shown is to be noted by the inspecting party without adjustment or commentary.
5:33
